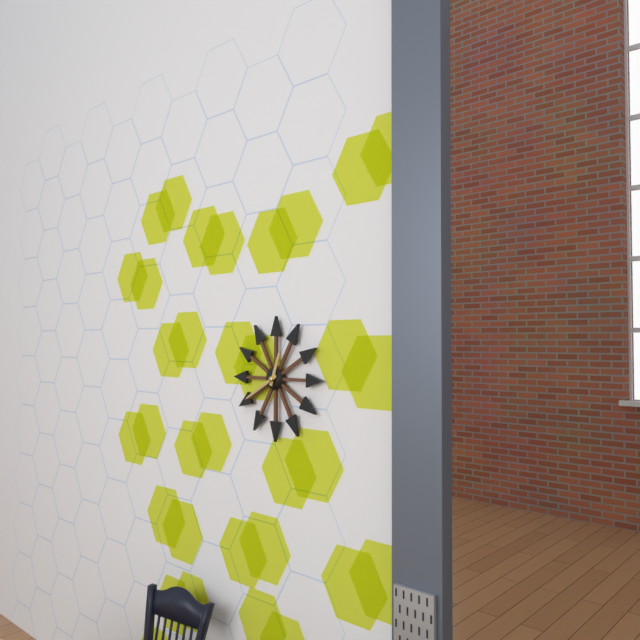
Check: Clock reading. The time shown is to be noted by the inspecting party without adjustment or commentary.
12:40
